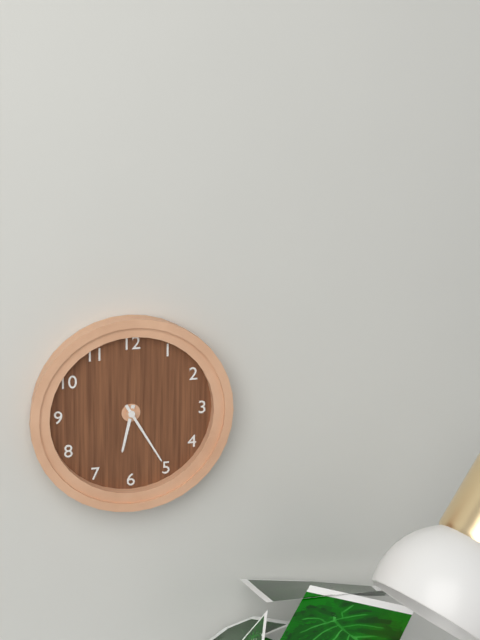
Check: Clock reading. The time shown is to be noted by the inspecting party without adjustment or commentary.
6:25
